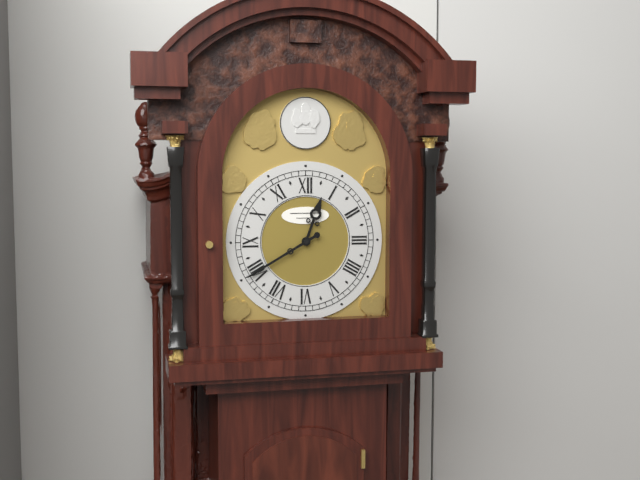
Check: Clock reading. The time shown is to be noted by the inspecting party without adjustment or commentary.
12:40
